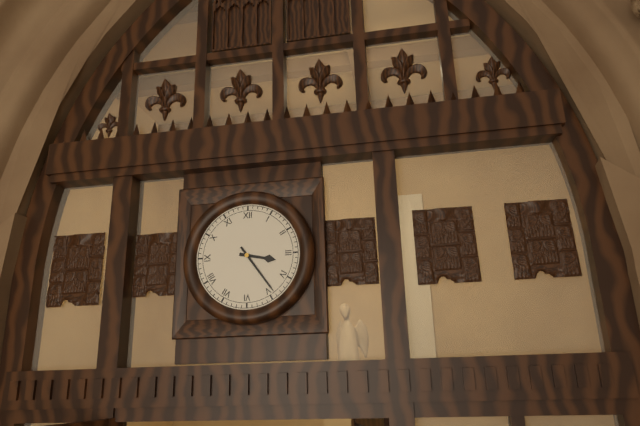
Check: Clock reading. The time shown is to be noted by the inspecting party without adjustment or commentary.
3:24
